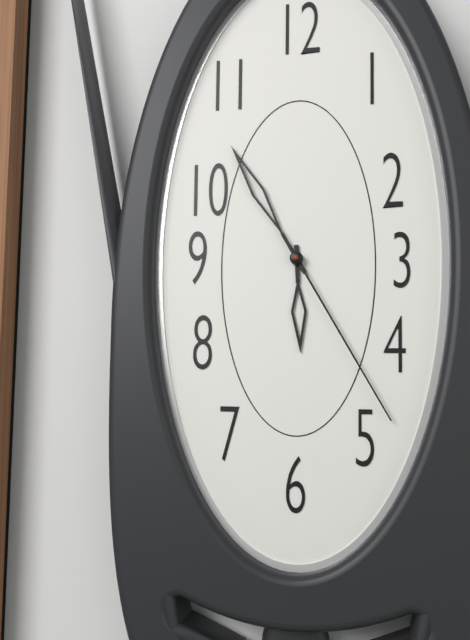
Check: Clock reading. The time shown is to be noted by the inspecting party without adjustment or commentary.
5:55:25
